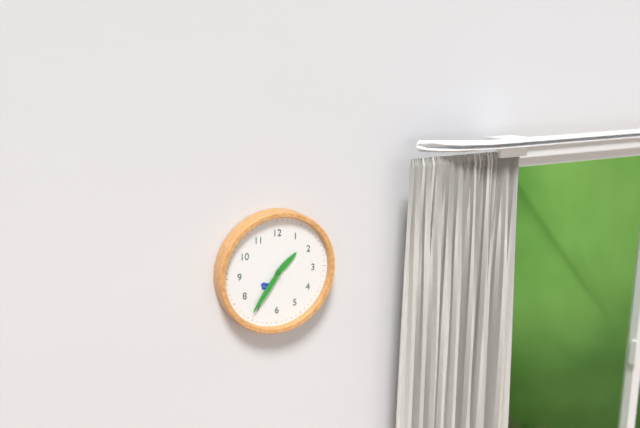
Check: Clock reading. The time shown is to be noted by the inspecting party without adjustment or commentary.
1:36
